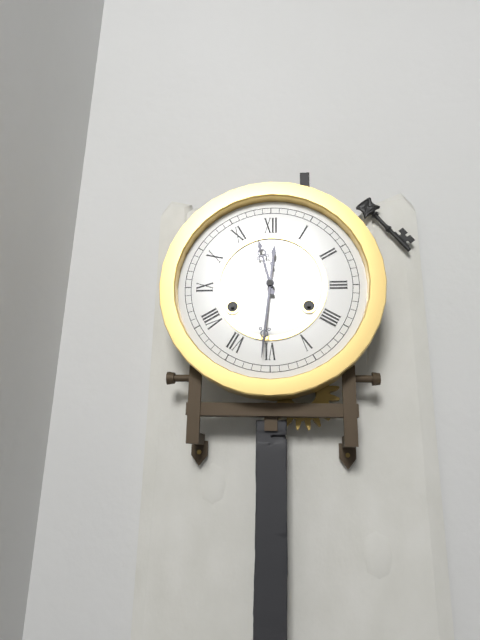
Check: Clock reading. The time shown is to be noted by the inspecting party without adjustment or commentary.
11:31
